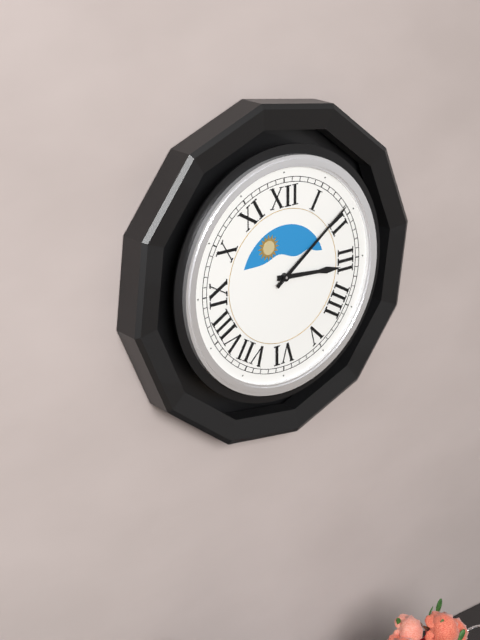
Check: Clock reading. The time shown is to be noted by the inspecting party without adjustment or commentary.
3:09
